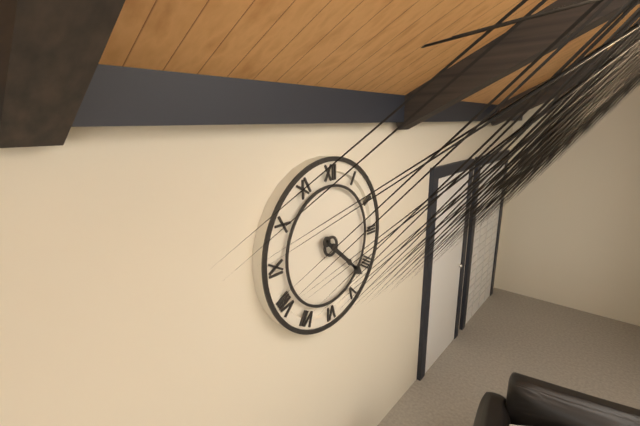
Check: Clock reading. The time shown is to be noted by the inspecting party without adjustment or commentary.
4:22
